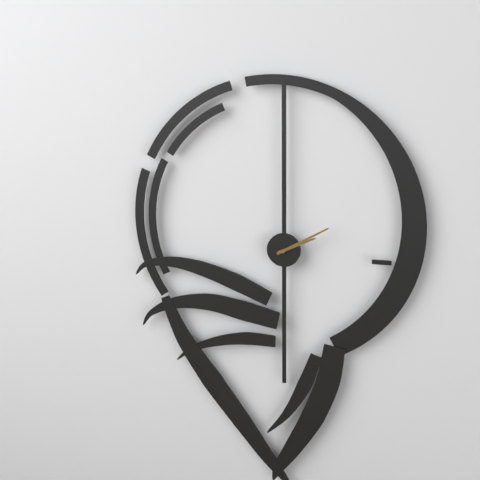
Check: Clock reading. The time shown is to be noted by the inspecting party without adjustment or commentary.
2:10
